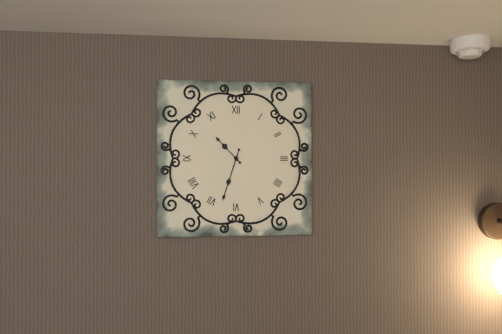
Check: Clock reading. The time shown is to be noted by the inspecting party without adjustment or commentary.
10:33
